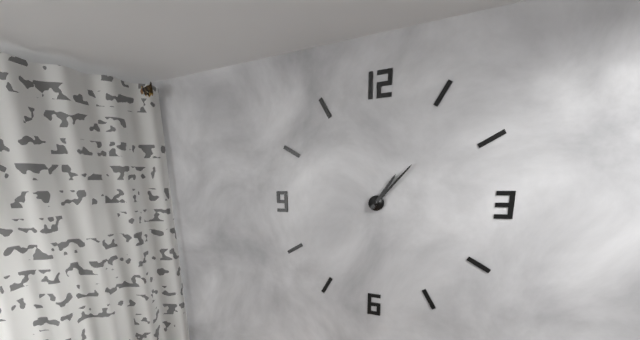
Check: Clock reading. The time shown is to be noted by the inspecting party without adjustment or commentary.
1:07
